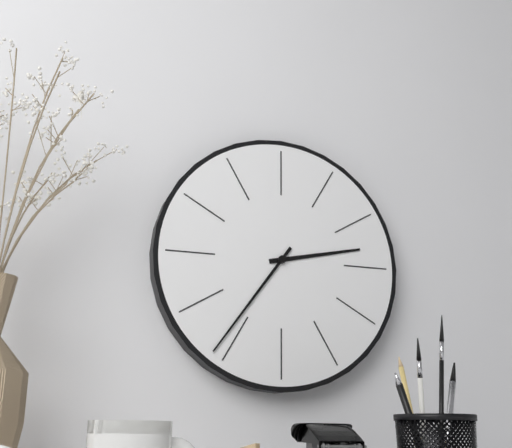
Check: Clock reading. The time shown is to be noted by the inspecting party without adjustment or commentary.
2:36
